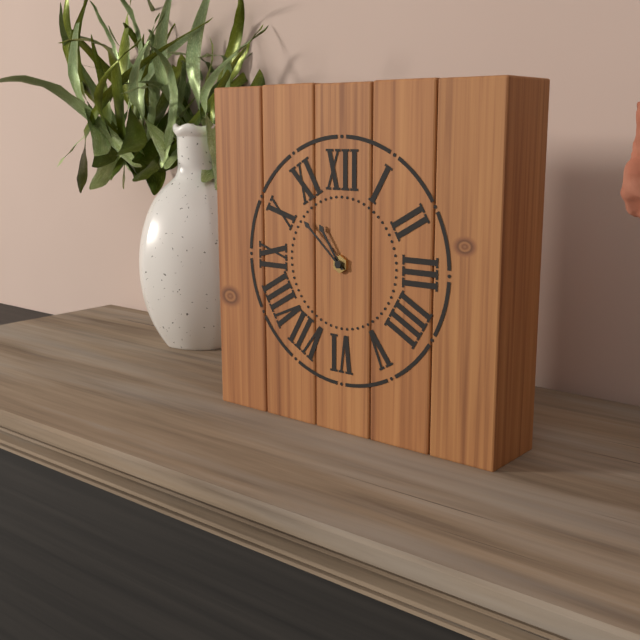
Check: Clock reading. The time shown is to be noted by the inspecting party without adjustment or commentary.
10:52
